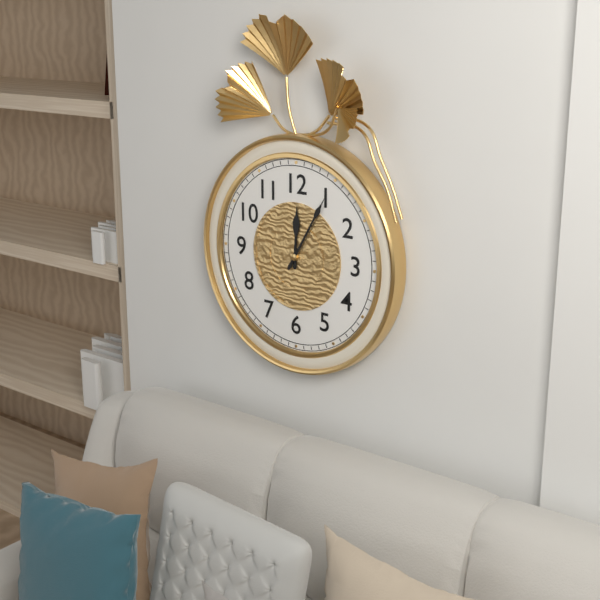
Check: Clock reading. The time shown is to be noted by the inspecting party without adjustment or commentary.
12:05
